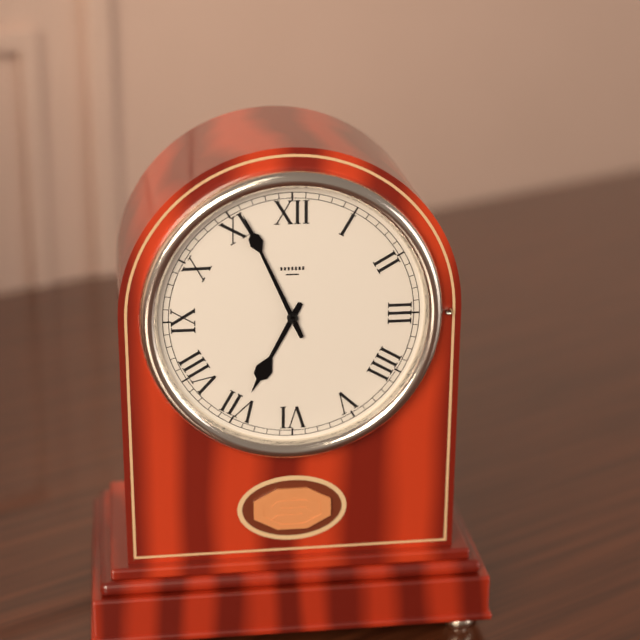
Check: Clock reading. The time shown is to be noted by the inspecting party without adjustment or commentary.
6:56
